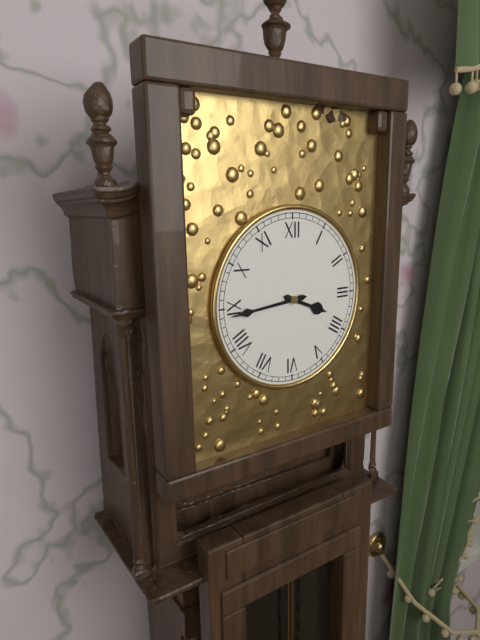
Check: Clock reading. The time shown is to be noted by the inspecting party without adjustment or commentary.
3:44
